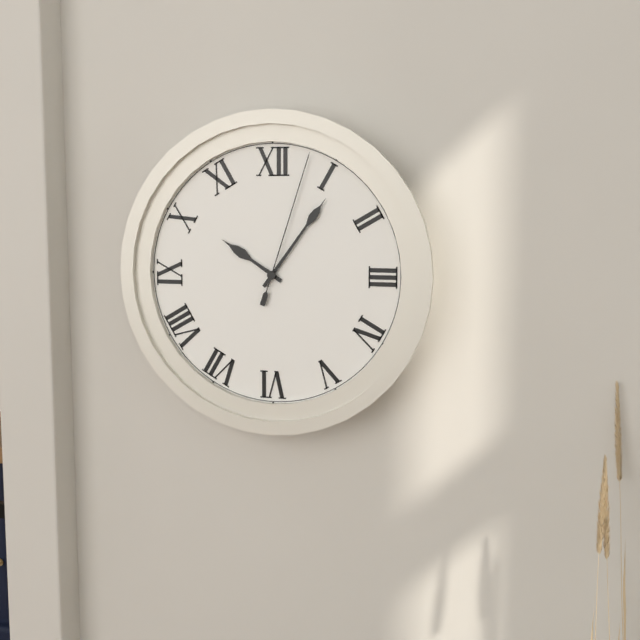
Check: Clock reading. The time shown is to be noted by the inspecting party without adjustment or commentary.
10:06:03
